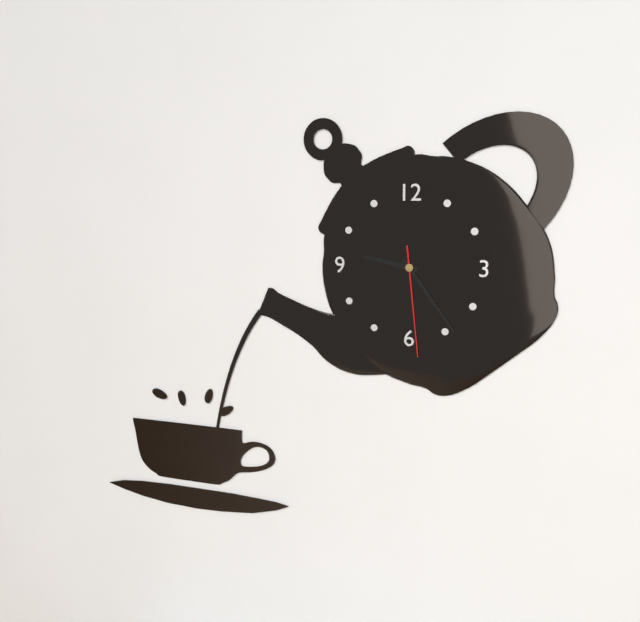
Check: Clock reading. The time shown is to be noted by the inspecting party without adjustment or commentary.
9:24:29
